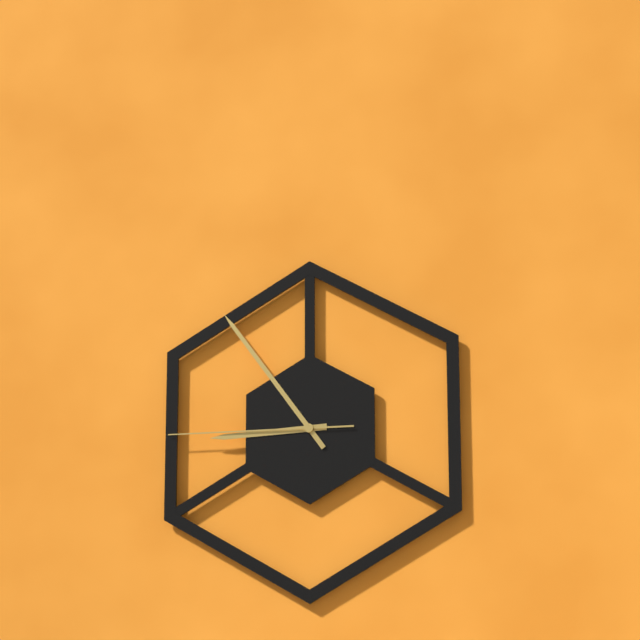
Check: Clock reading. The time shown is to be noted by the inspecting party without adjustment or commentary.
8:54:45
